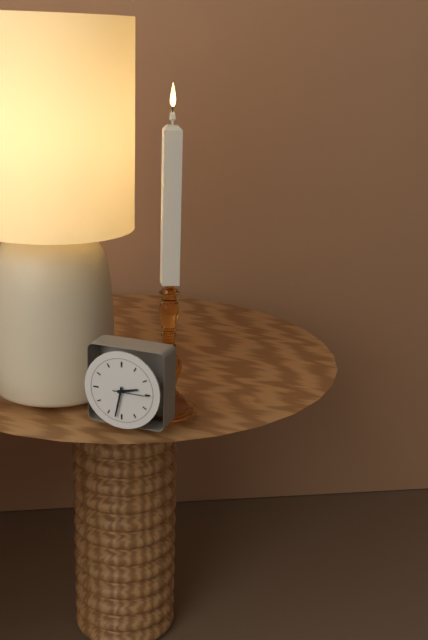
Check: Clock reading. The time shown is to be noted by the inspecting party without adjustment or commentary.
2:32
